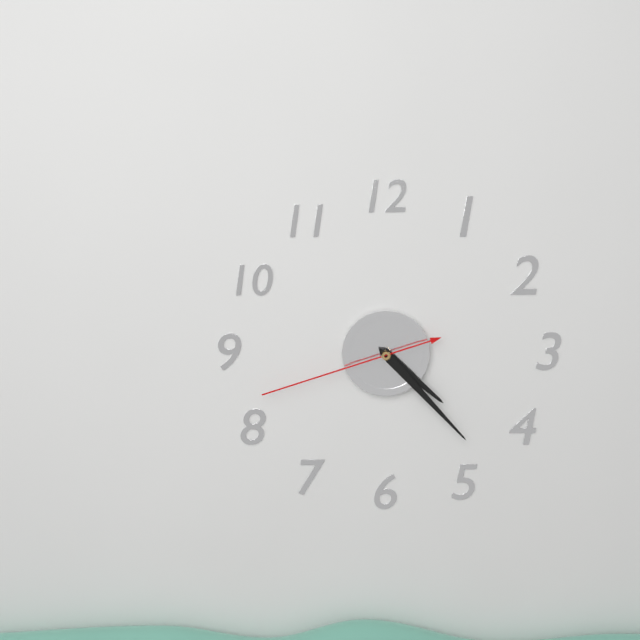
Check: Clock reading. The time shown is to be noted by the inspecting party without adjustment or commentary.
4:23:42
